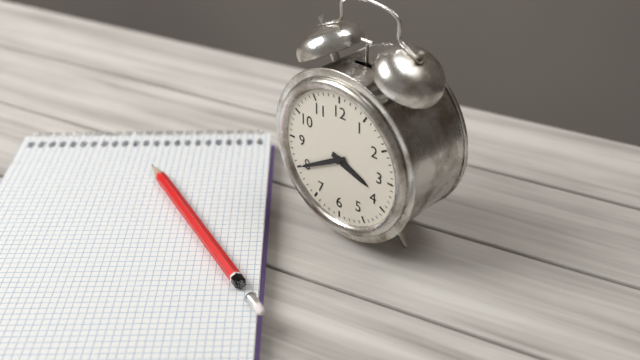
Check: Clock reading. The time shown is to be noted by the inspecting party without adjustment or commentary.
3:40
